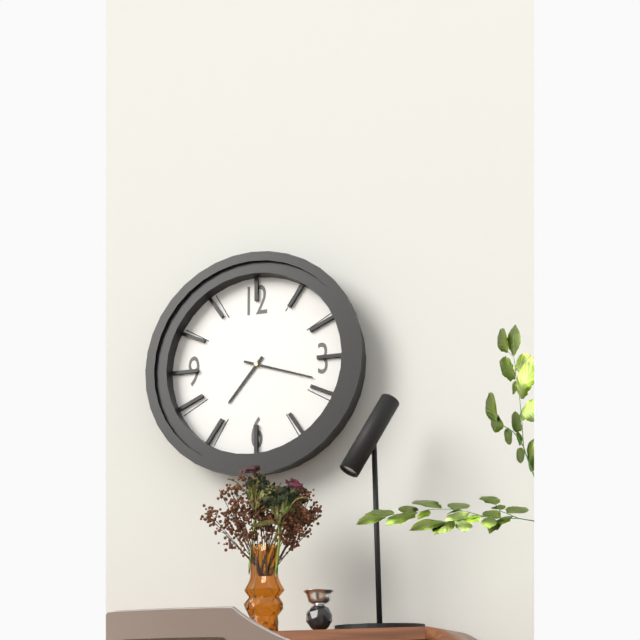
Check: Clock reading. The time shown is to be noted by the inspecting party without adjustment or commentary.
7:18
